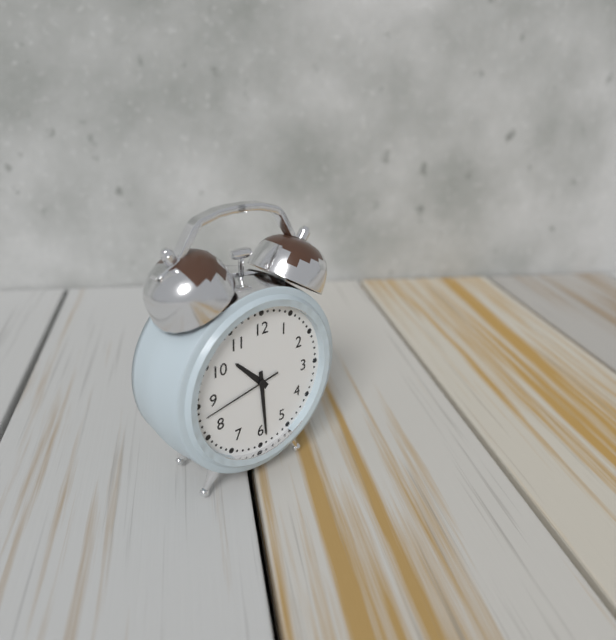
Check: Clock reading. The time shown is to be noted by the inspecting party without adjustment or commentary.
10:29:43
